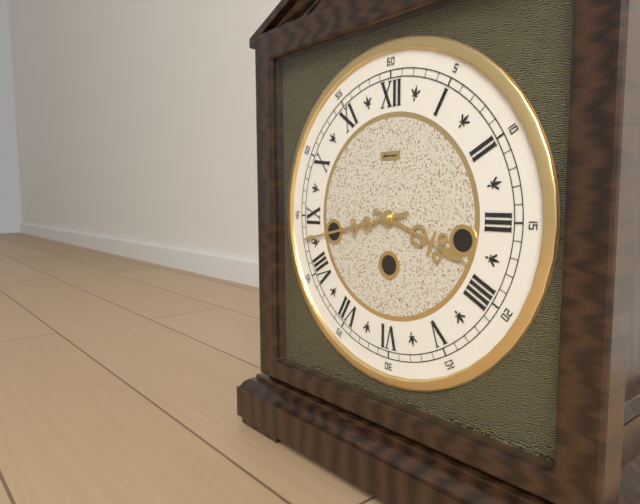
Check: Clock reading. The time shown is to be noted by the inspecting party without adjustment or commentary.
3:43
